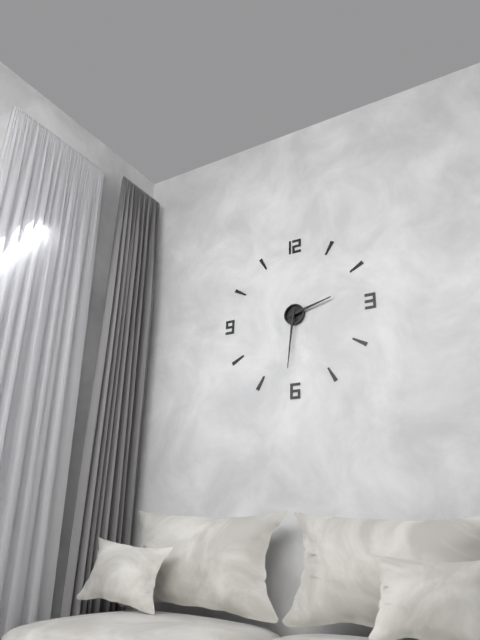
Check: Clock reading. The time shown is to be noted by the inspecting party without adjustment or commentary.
2:31
